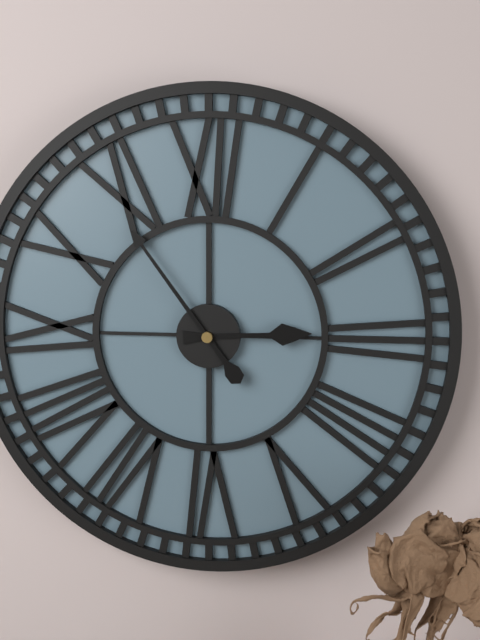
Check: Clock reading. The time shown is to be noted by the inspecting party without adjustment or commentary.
2:54
